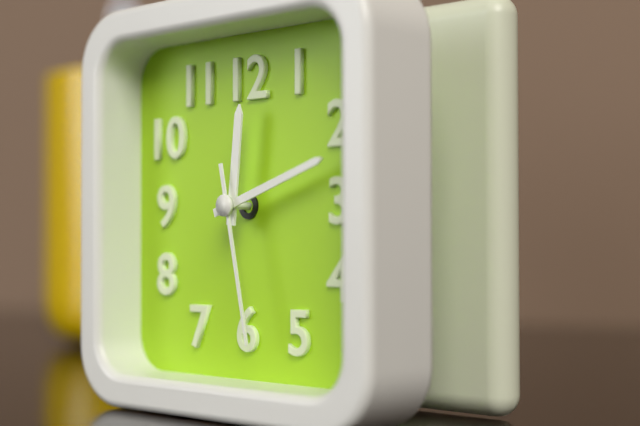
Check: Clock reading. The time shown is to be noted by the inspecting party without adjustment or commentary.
12:12:28
